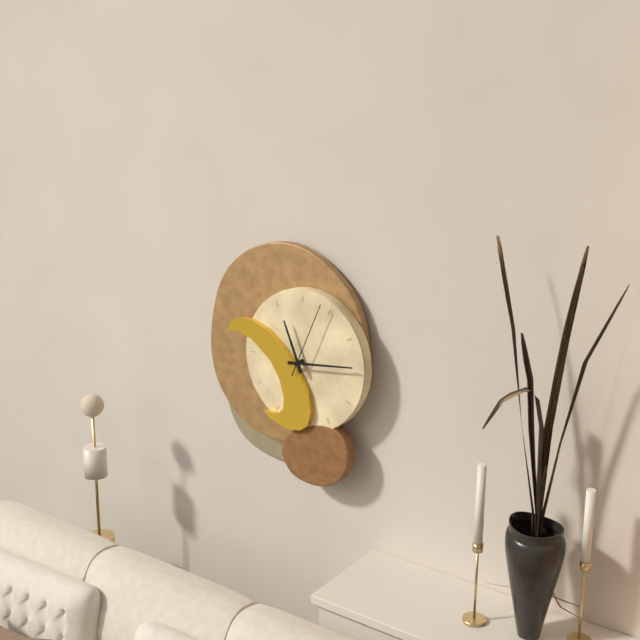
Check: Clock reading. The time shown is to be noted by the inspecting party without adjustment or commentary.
11:14:04
